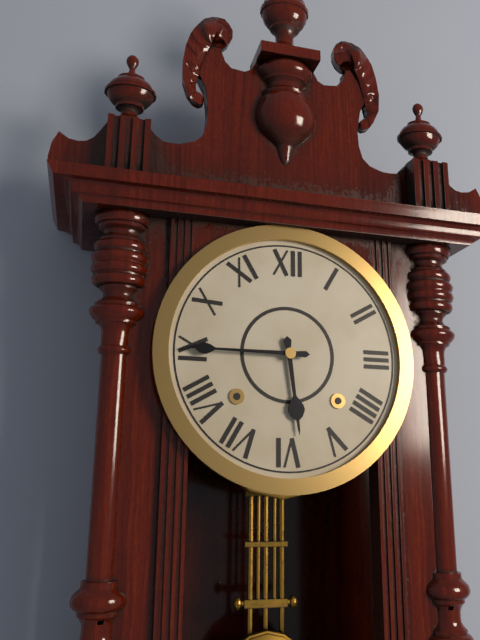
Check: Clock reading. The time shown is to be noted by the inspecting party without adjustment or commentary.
5:45
